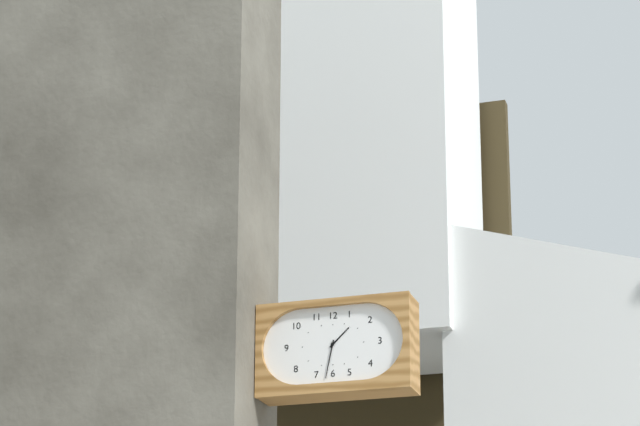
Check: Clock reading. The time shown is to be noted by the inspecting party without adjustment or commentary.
1:32
